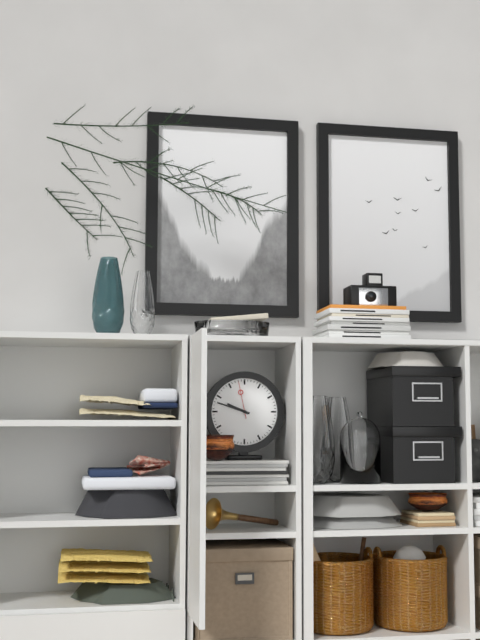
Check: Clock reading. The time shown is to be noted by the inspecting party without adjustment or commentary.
9:48
